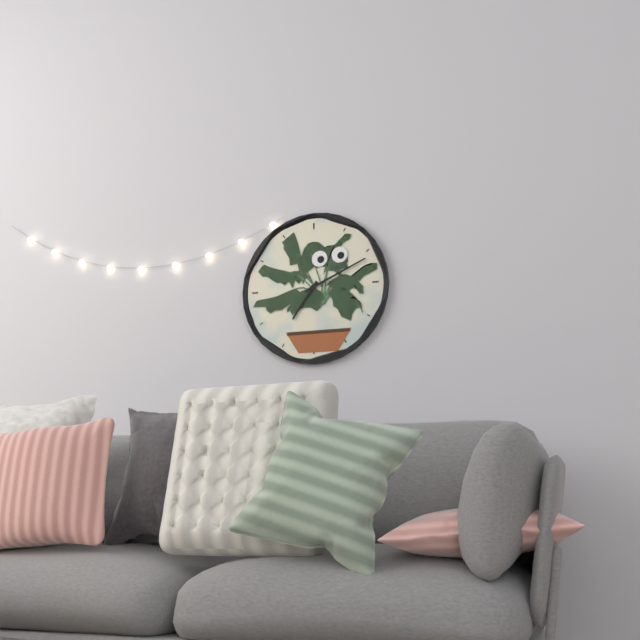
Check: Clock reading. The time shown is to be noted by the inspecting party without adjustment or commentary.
7:11
